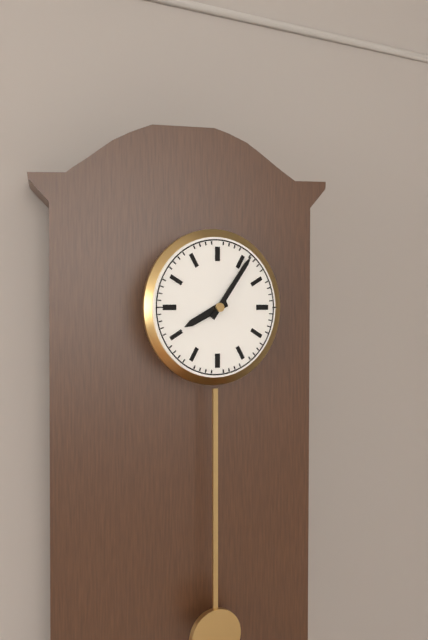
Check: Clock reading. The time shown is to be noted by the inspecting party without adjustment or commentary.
8:06
